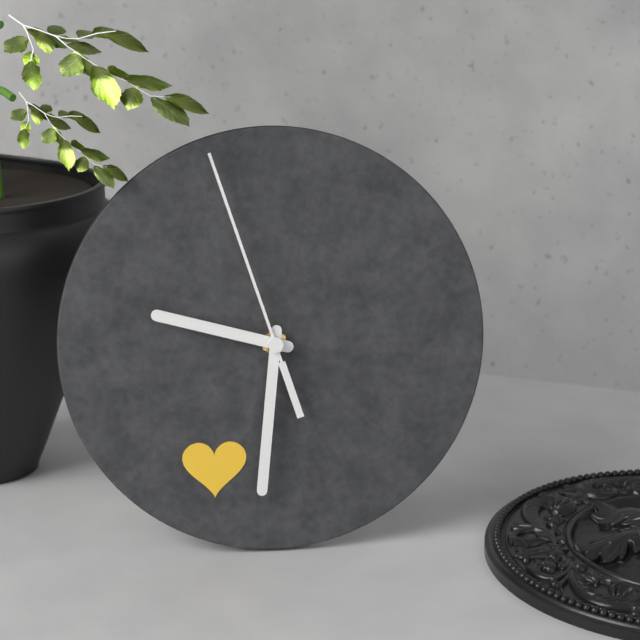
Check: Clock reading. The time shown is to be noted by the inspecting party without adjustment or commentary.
9:31:57
